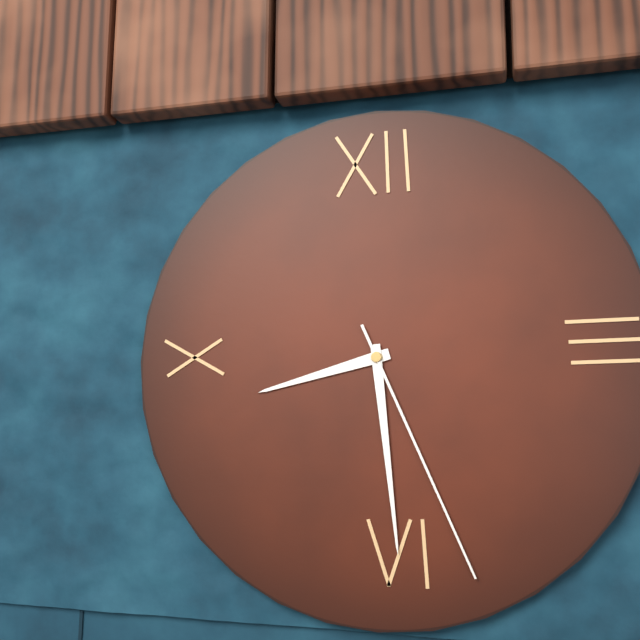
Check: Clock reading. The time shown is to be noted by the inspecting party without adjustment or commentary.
8:29:26
